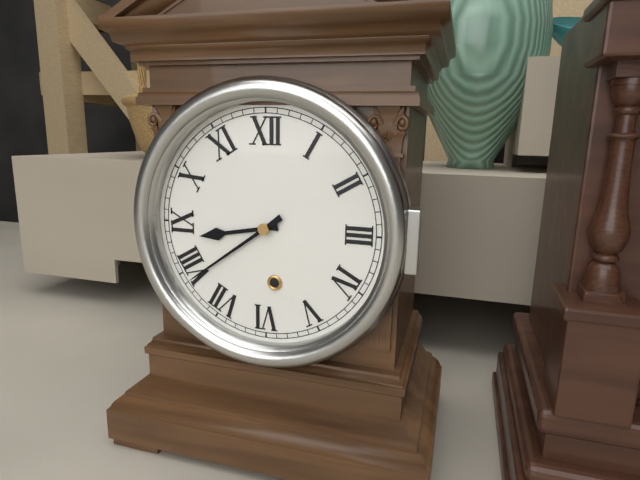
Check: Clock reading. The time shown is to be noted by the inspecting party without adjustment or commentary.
8:39
